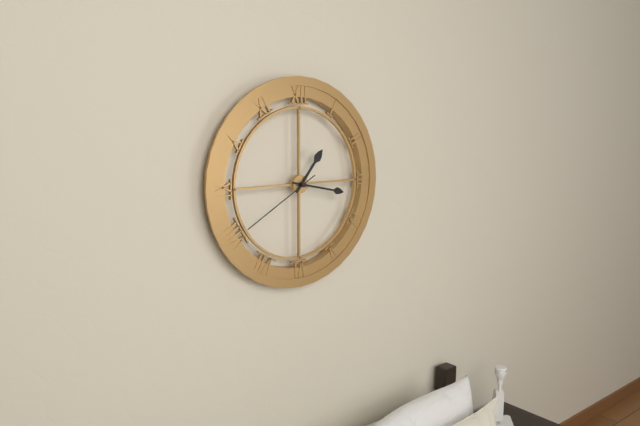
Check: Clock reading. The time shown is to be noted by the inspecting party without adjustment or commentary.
1:17:40
